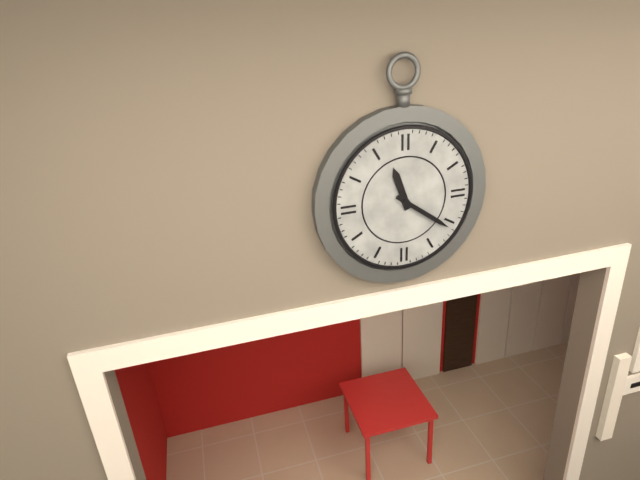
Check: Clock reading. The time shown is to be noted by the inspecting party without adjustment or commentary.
11:21
